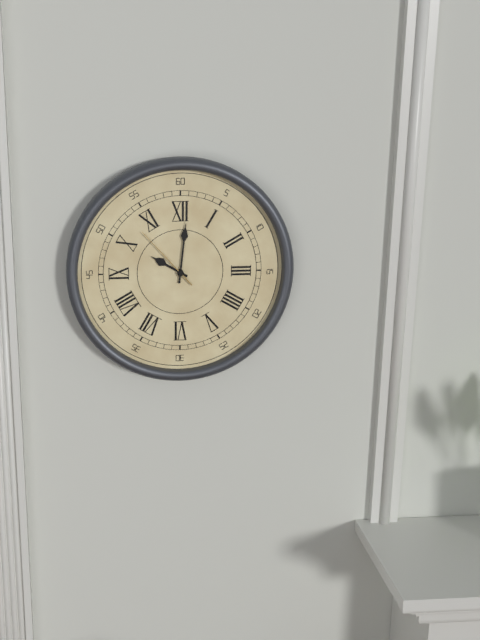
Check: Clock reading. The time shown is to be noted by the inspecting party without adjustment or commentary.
10:01:53
